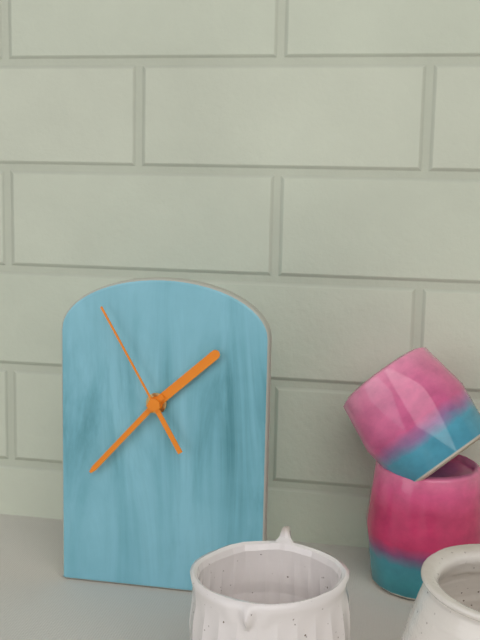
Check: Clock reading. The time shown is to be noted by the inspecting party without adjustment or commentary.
1:37:55
